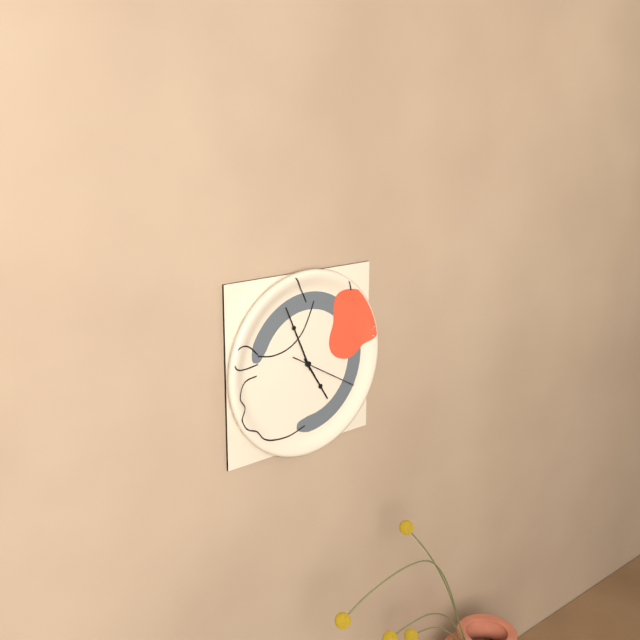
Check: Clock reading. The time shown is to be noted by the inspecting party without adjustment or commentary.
4:56:20
